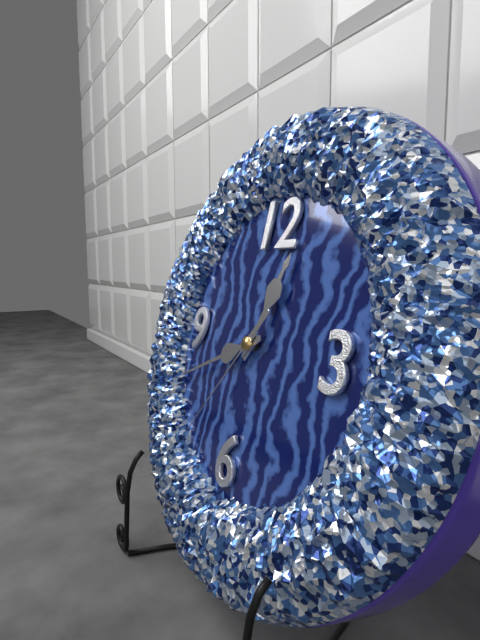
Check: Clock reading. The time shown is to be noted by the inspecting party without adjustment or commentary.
12:41:36
